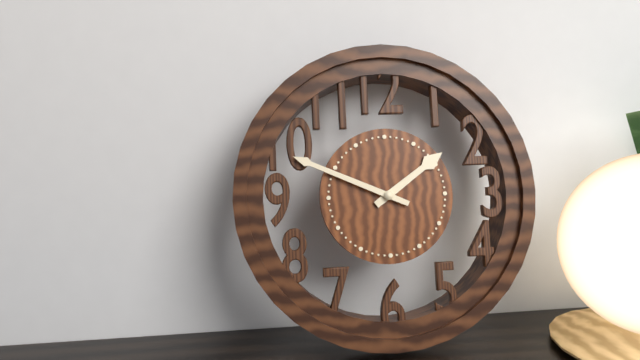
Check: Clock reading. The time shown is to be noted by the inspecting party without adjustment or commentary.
1:49
